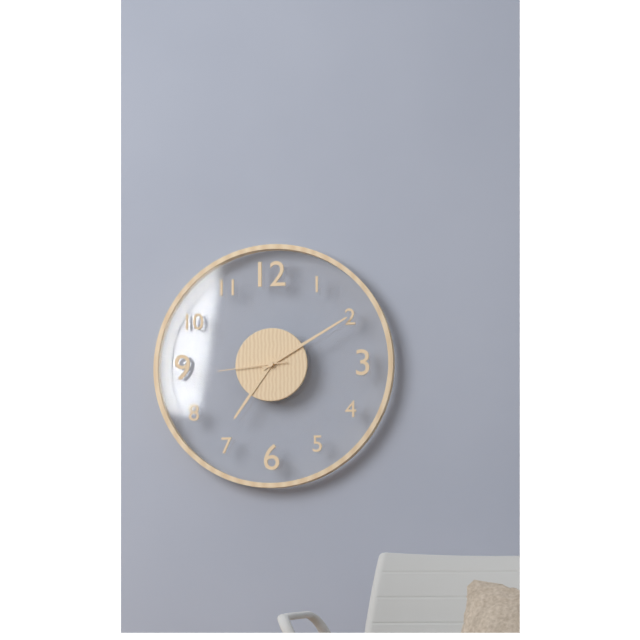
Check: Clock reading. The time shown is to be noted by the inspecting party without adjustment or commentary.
7:10:44
